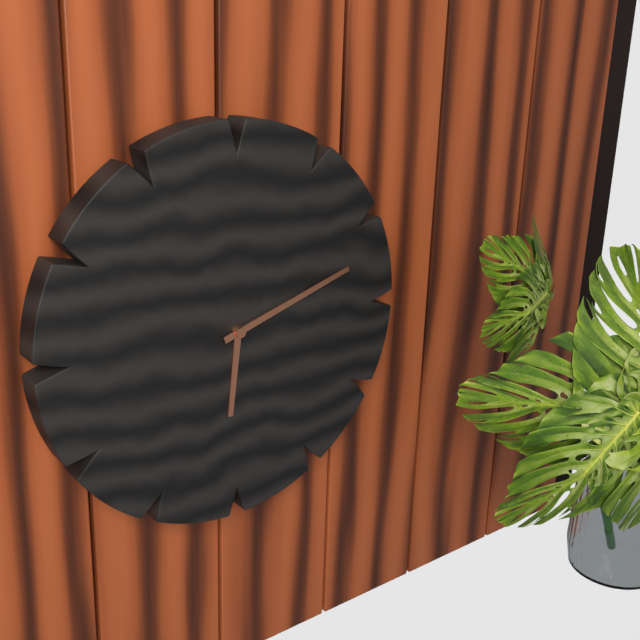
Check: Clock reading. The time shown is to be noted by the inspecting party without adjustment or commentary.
6:12
